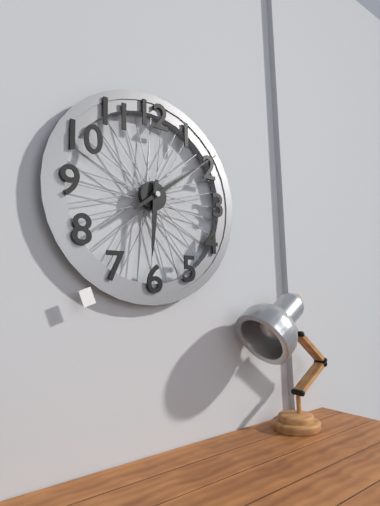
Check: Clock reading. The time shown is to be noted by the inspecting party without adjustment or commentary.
6:09
